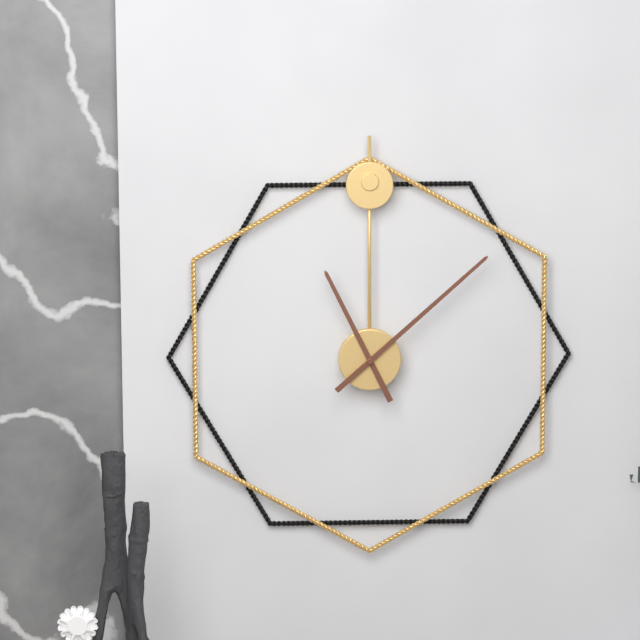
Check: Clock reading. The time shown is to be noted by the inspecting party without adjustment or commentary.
11:08
